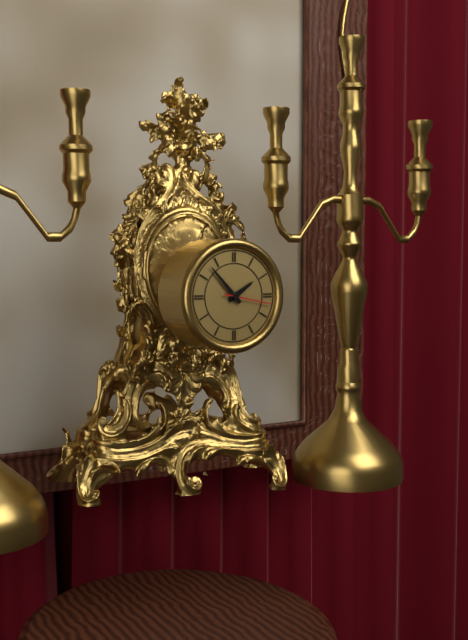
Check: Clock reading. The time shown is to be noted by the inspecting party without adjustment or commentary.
1:53
